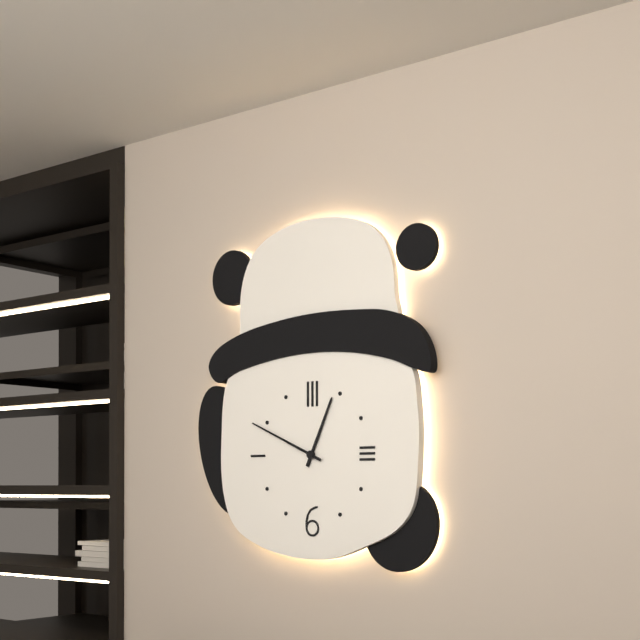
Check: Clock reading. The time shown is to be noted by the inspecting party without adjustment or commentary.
12:49
